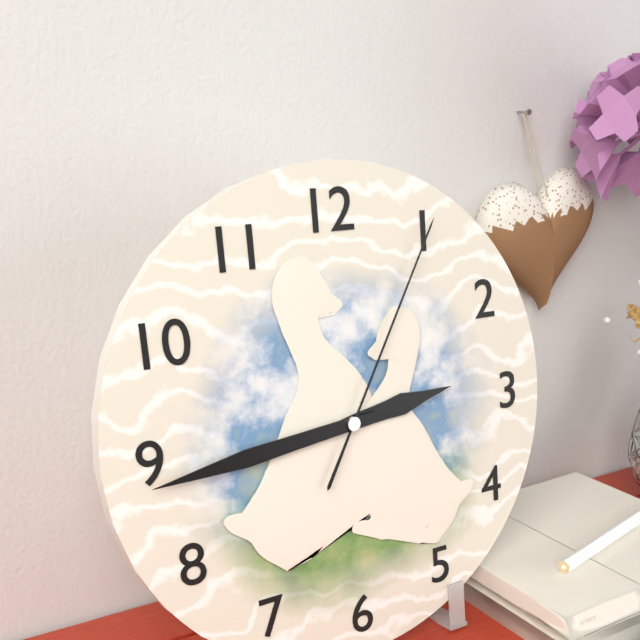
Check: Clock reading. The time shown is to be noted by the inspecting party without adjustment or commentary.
2:44:05
